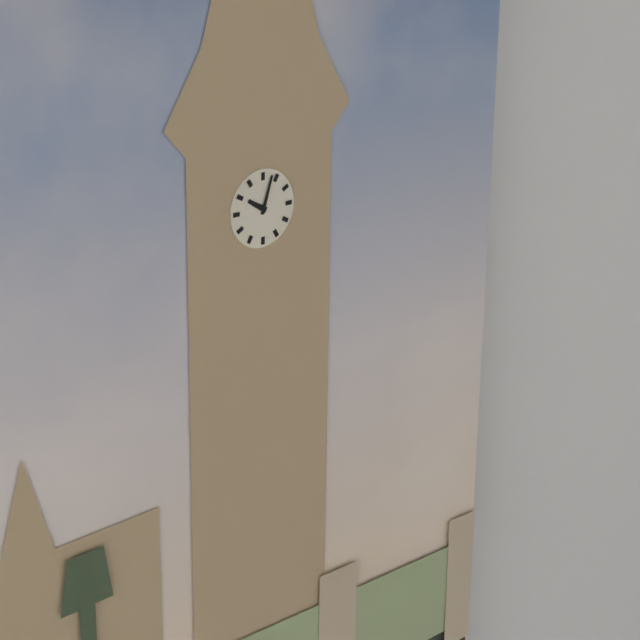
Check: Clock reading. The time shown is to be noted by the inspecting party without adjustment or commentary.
10:03
